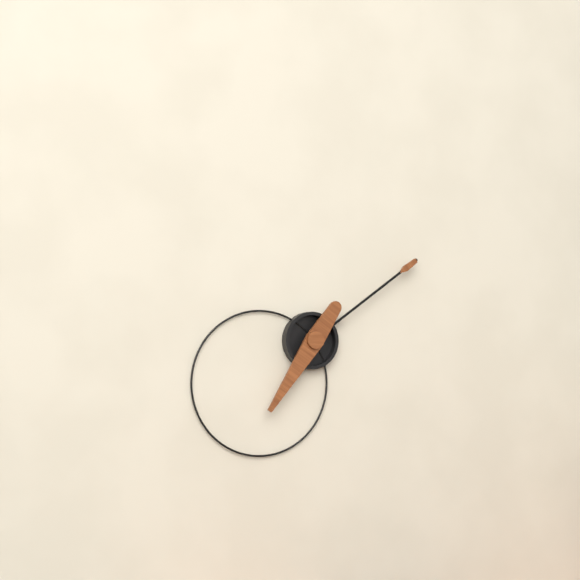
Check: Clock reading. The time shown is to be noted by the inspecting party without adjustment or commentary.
7:09
